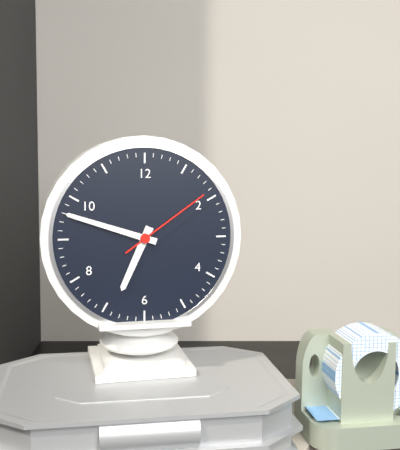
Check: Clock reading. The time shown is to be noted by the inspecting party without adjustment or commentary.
6:48:09
